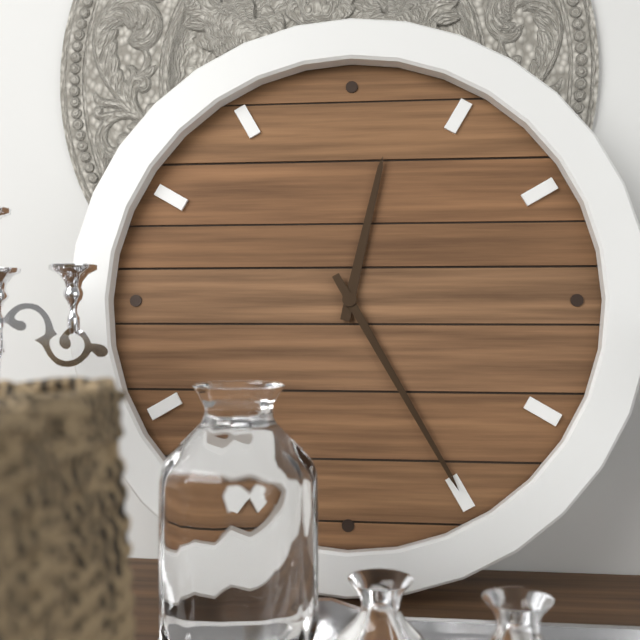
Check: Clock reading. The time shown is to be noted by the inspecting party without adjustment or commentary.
12:25
